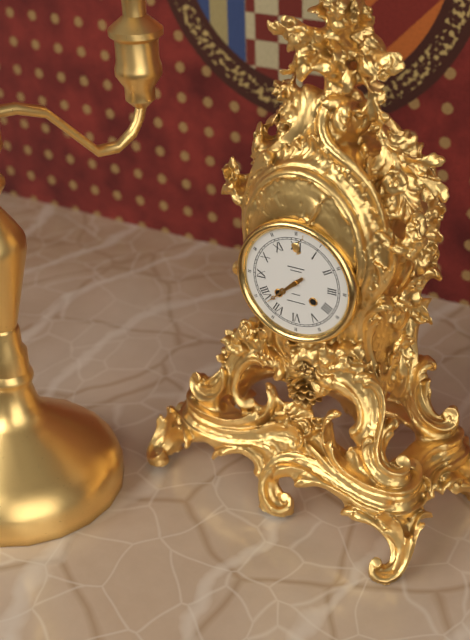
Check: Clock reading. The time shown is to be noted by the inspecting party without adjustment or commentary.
7:38
